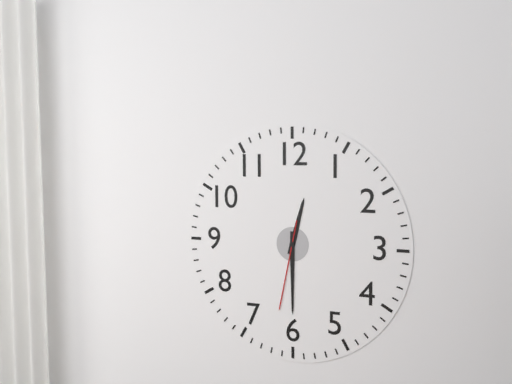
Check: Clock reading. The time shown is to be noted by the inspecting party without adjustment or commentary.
12:30:32
